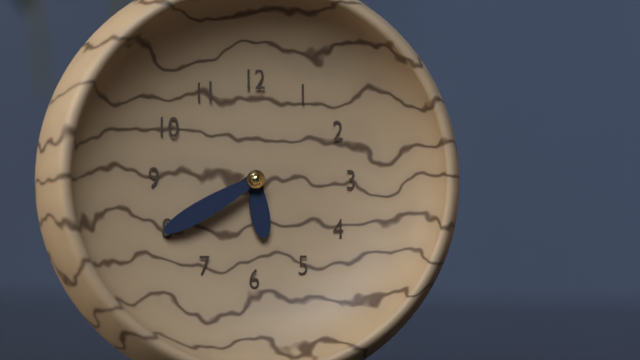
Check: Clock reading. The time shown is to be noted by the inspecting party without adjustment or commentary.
5:40
